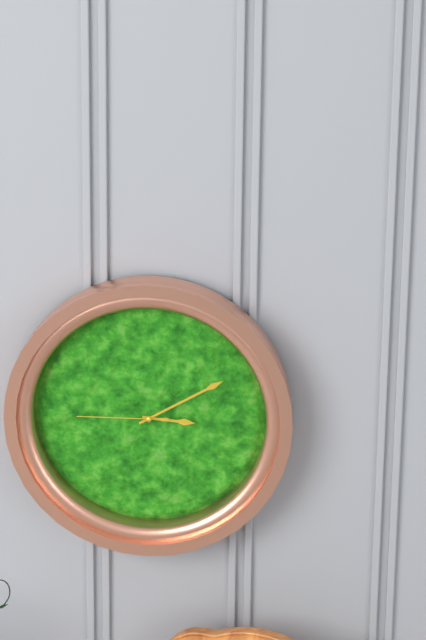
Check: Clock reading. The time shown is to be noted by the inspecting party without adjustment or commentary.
3:10:45
